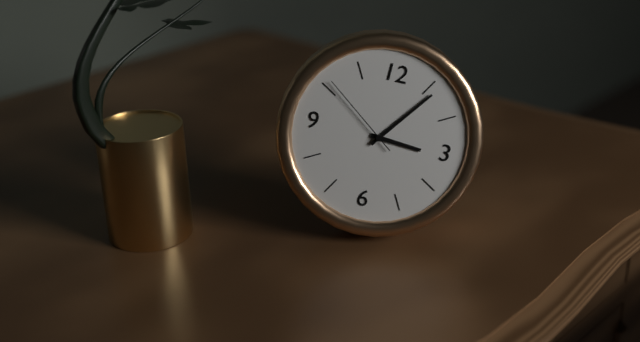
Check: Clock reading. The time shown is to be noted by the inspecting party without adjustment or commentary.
3:06:51
